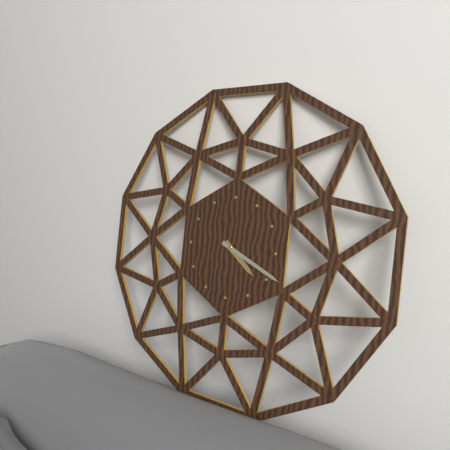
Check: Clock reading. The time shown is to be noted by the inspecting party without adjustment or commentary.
4:19
